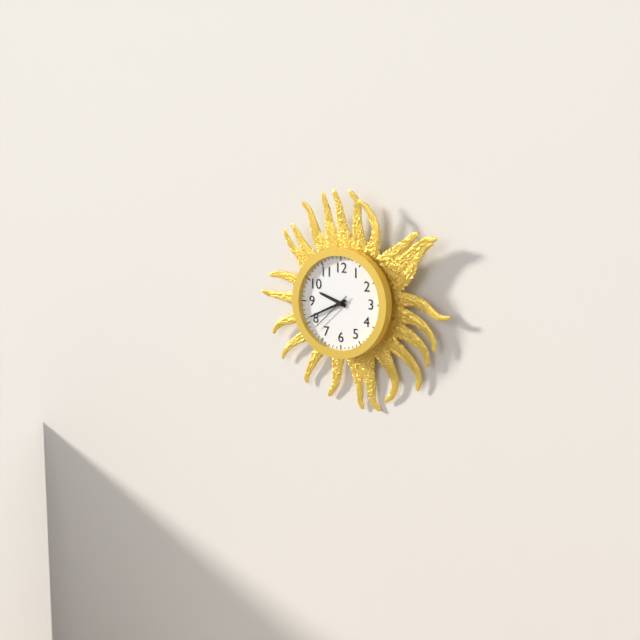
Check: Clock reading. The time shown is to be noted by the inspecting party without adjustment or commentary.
9:41
